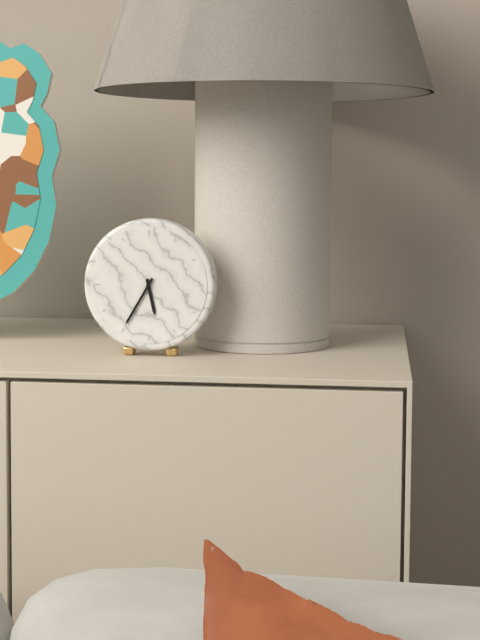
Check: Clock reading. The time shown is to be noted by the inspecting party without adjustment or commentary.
5:35
